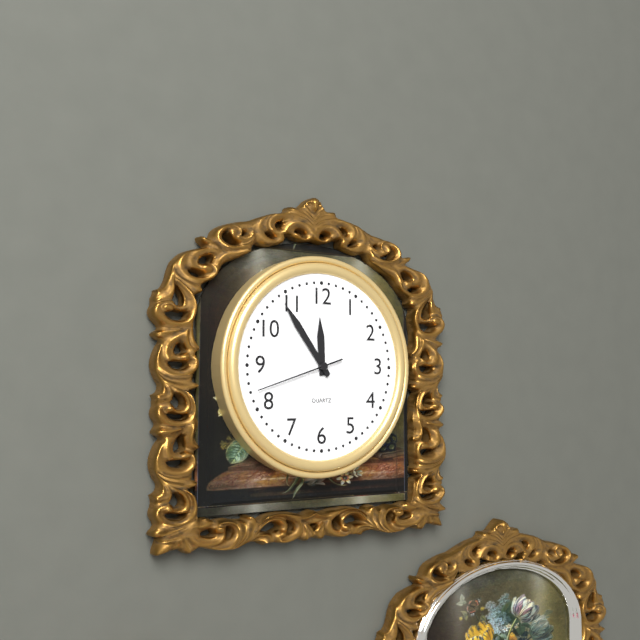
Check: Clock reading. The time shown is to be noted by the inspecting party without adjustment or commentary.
11:54:42
